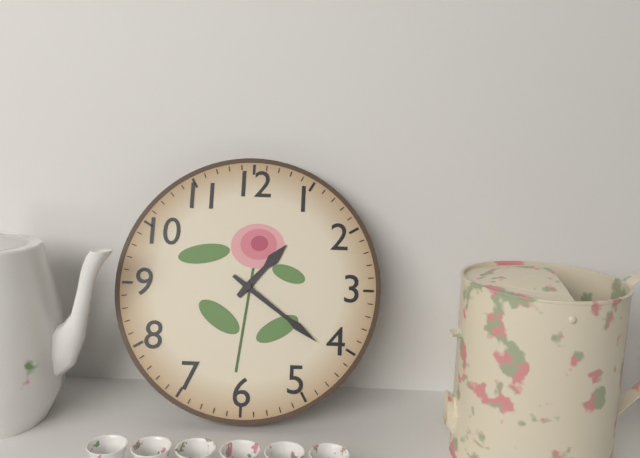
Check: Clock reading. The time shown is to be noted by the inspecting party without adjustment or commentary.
1:21
